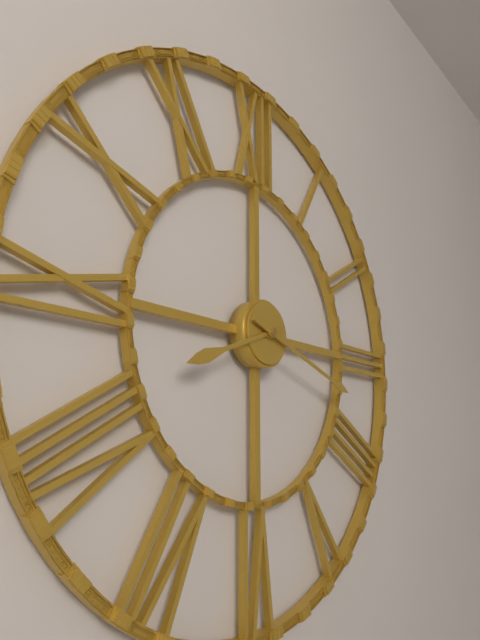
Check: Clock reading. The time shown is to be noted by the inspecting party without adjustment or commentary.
8:18
